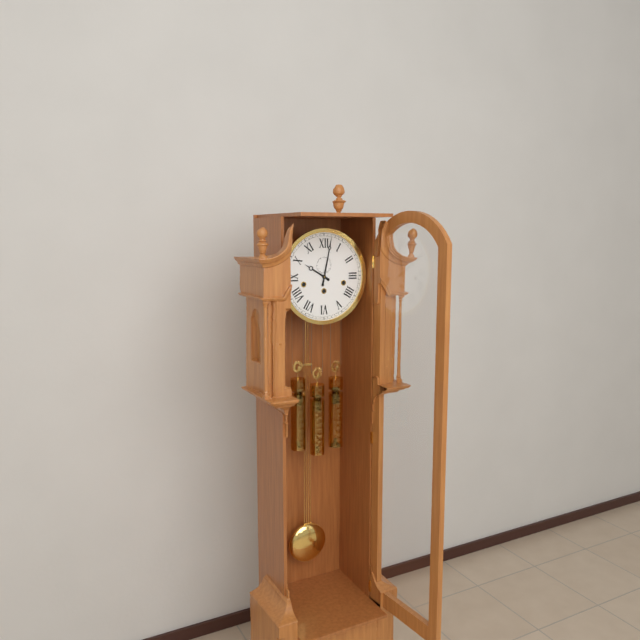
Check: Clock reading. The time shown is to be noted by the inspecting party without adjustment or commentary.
10:02
